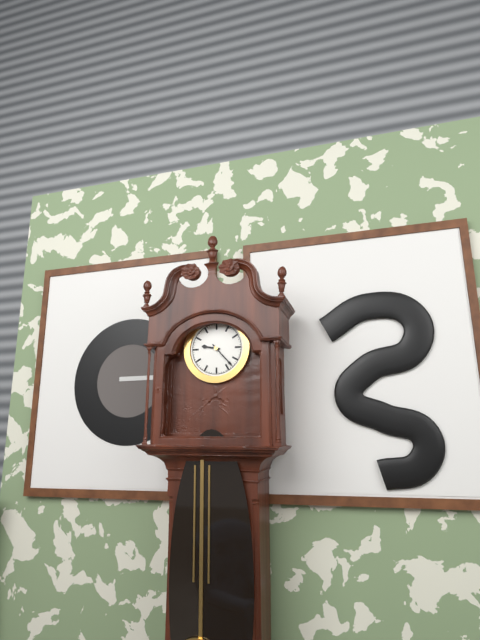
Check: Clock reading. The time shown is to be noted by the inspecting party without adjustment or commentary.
9:23
